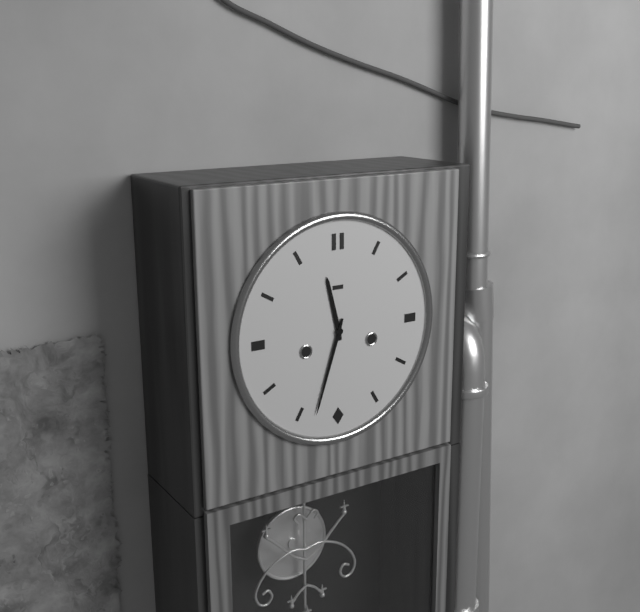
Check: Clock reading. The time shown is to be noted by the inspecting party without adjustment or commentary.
11:33
